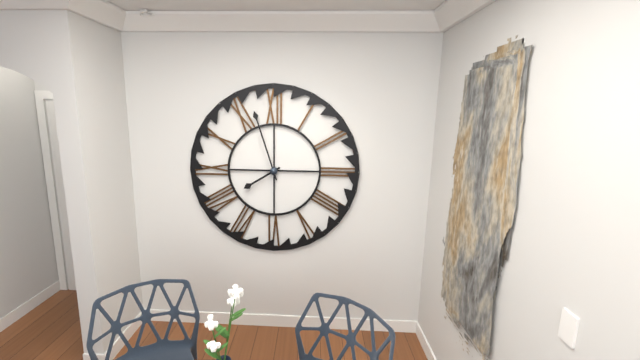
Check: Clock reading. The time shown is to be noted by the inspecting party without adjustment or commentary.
7:57
